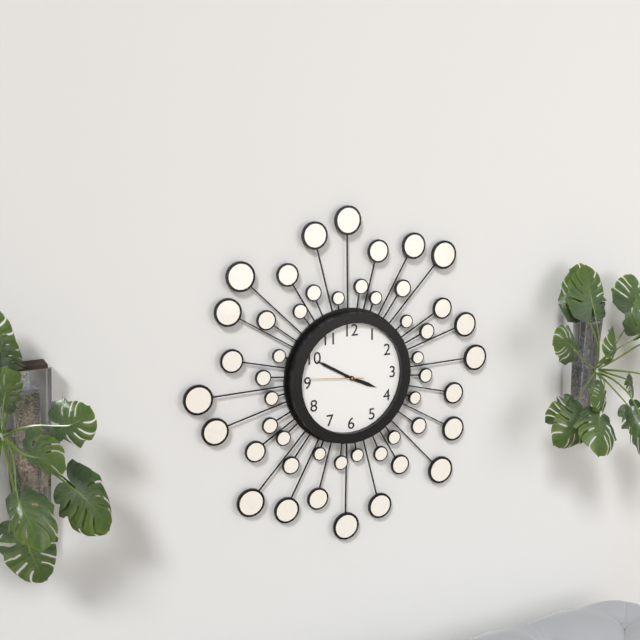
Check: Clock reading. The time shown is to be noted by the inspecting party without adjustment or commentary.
3:50:46
